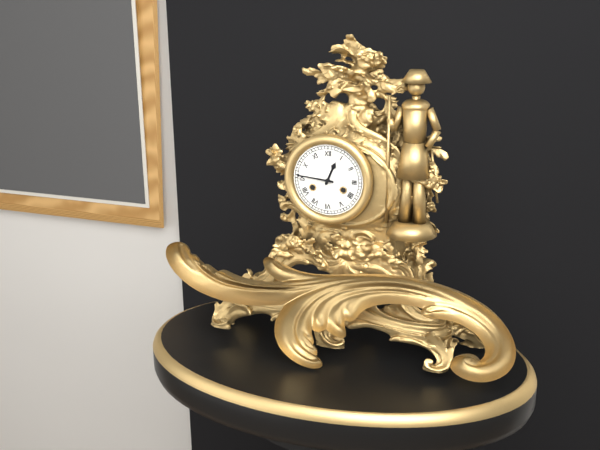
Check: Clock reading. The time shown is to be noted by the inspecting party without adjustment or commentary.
12:46
